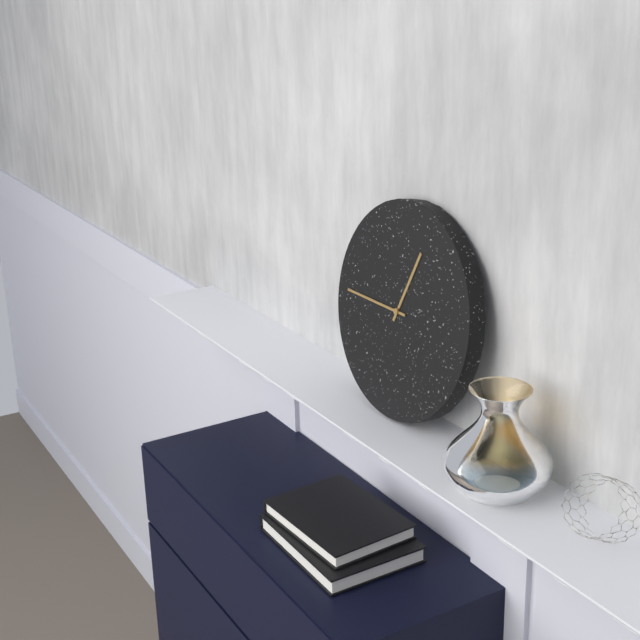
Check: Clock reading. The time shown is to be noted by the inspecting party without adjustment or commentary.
12:45
